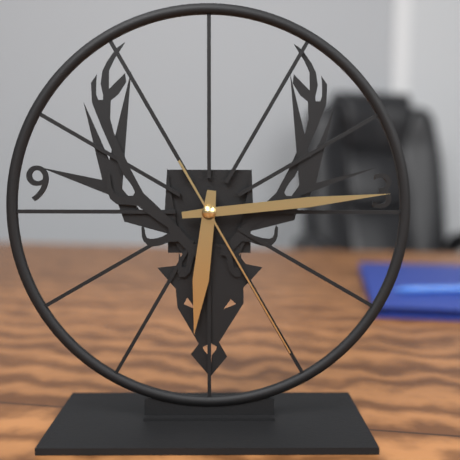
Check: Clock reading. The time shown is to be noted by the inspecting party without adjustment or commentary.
6:14:25
